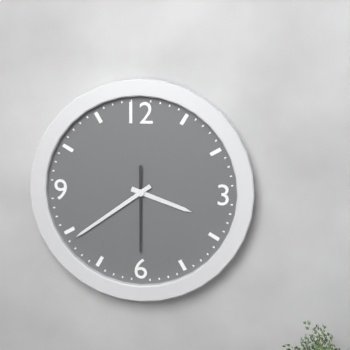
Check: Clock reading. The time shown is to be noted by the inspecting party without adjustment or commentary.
3:39:30
